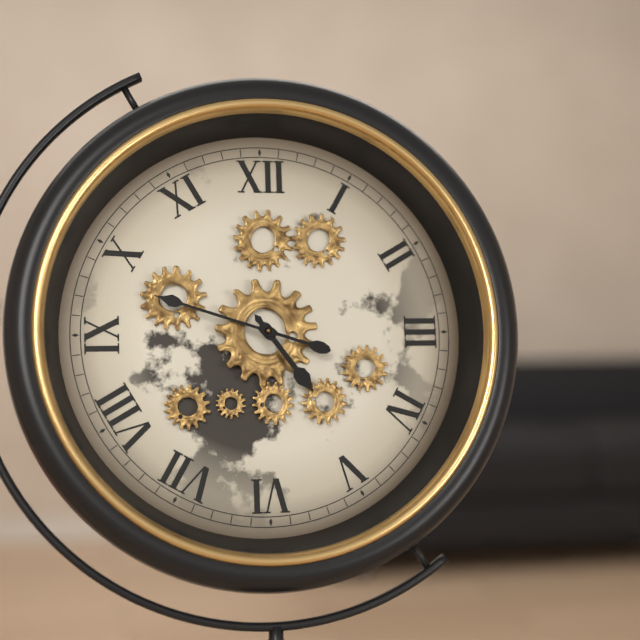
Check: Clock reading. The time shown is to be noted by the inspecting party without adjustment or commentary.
4:48
